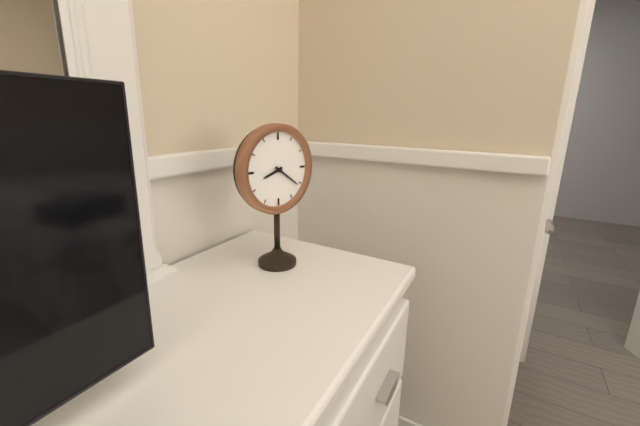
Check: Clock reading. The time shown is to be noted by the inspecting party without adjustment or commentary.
8:21
